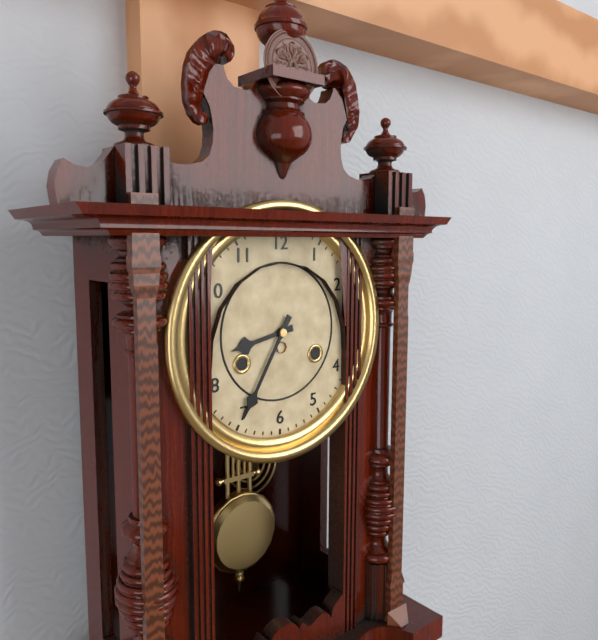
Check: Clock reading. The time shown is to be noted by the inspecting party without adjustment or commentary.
8:35
